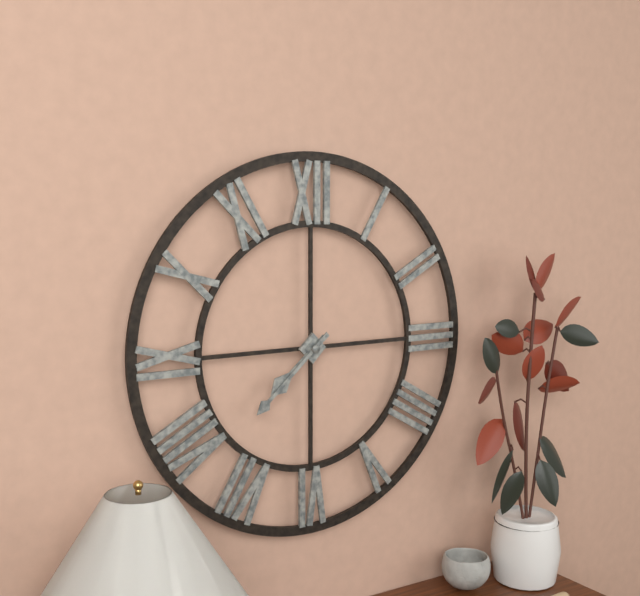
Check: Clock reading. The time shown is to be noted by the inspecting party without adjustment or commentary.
7:38
